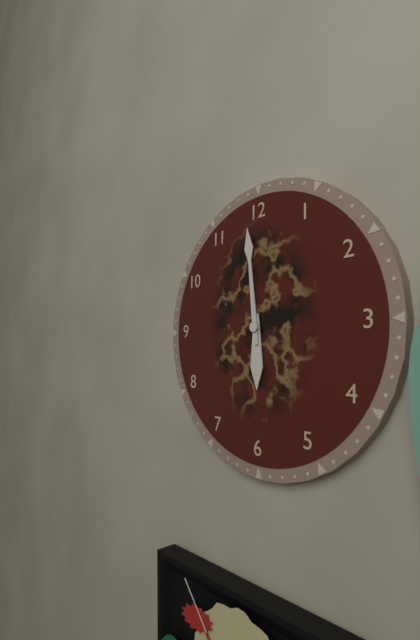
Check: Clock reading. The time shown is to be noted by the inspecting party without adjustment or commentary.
5:59
